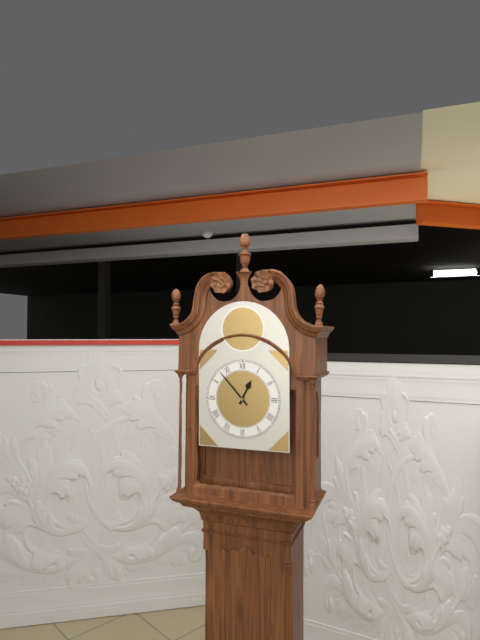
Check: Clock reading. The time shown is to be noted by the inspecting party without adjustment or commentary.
12:53
